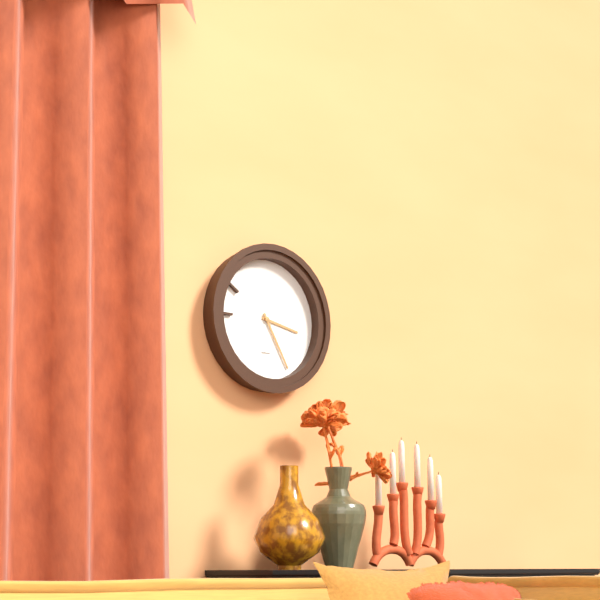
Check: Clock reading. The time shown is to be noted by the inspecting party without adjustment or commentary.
3:25
